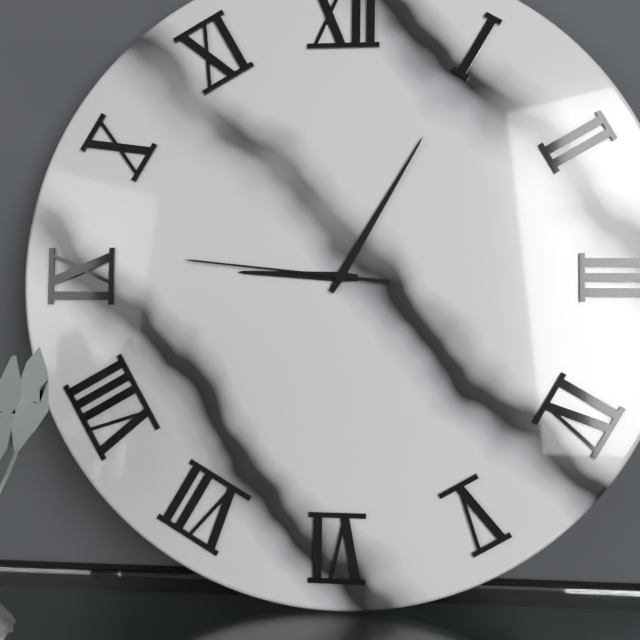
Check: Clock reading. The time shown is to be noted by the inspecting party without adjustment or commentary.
9:05:46
